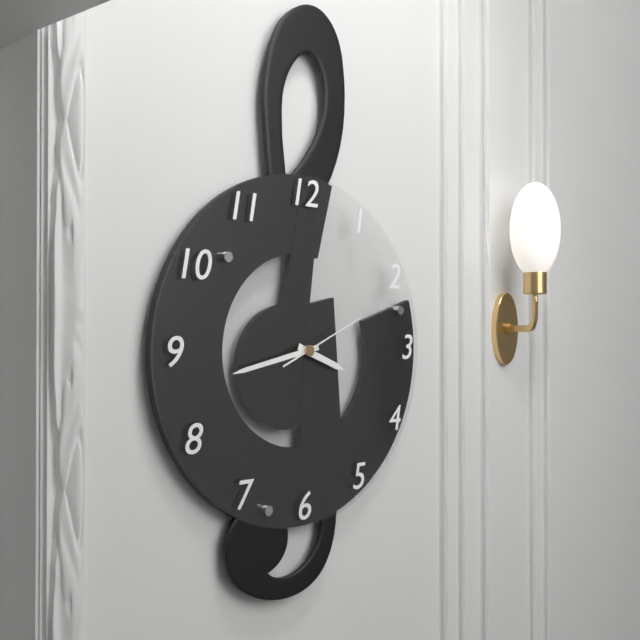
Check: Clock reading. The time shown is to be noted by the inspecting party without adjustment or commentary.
3:43:11
